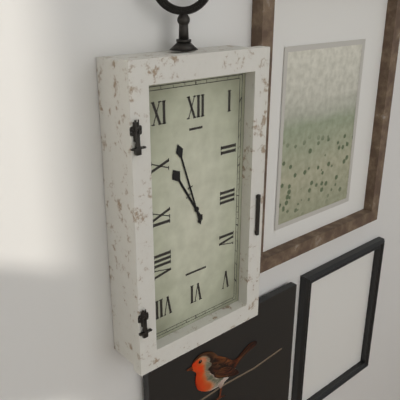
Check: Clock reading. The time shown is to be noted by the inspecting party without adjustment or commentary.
10:57
